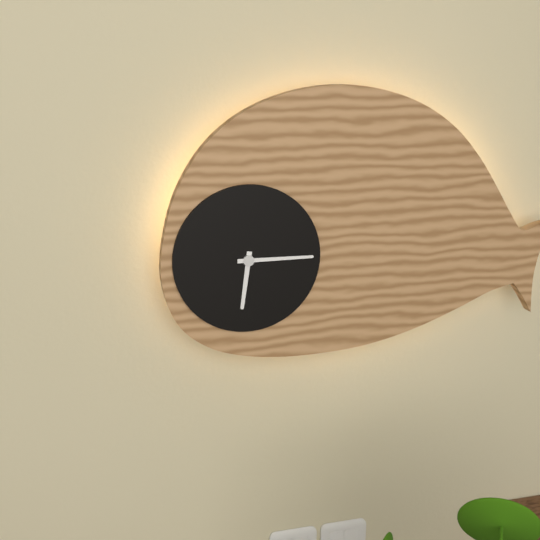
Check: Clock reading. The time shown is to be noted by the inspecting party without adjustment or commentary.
6:15
